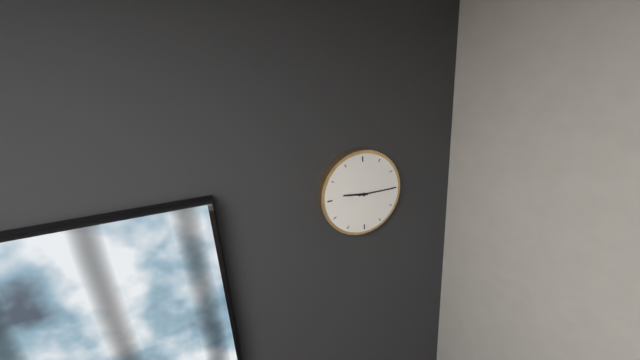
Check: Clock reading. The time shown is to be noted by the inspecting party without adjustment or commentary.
9:15
